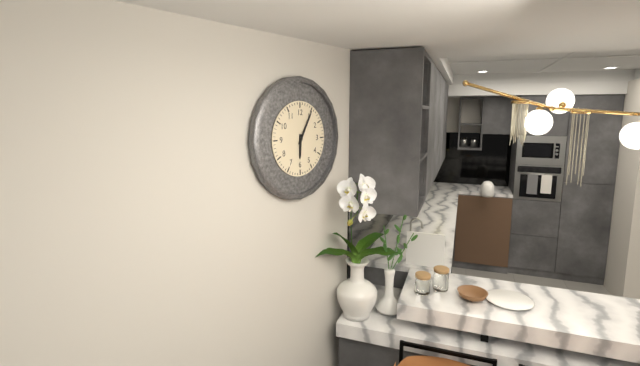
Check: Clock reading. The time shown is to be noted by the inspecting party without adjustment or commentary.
6:05
